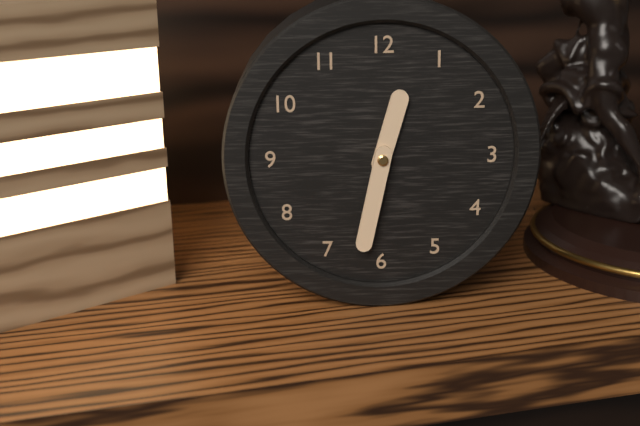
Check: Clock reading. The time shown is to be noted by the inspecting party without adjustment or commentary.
12:32
